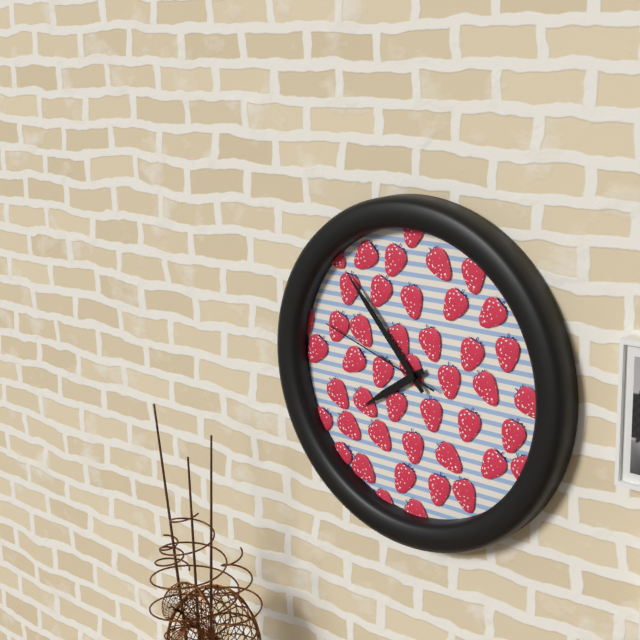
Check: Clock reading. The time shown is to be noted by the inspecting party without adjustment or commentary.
7:53:48
